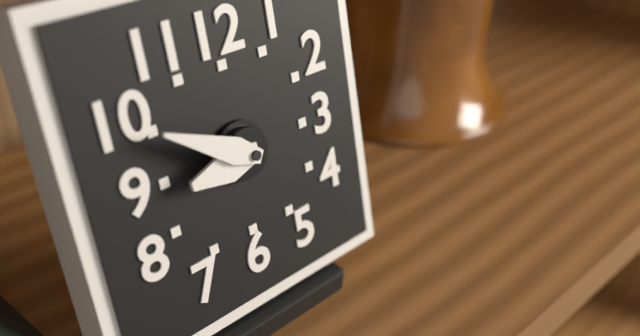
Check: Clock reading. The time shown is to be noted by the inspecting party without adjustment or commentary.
8:50
